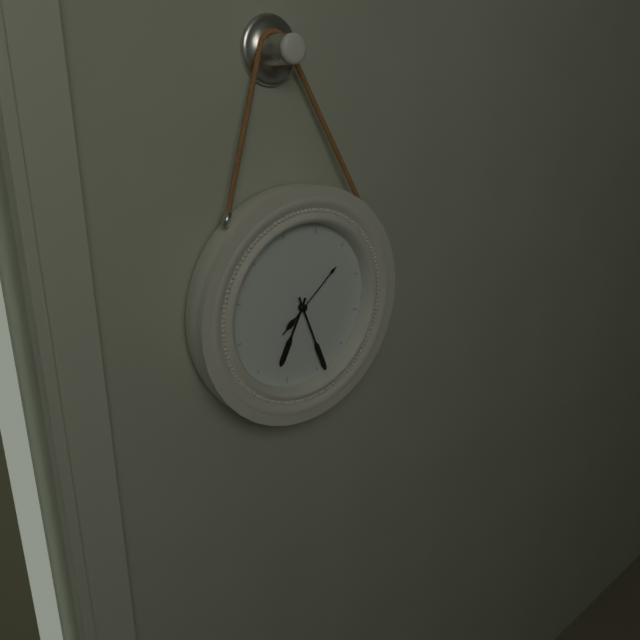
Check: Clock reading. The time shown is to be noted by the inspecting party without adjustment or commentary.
6:24:06
